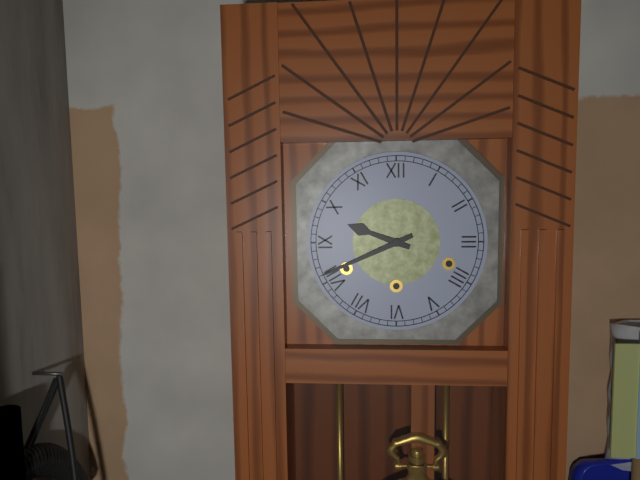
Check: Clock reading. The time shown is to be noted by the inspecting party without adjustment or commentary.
9:41
